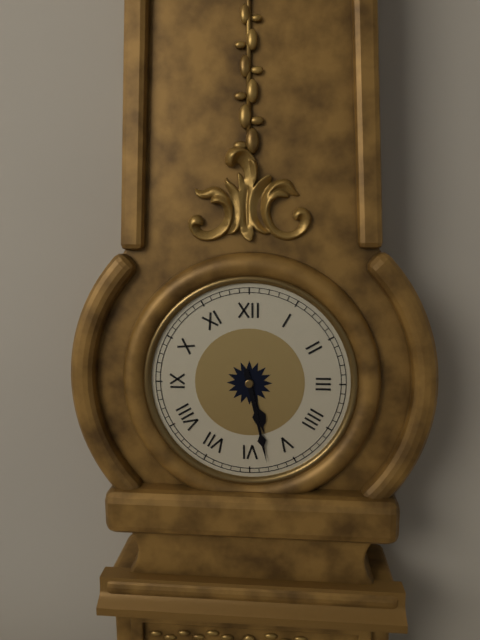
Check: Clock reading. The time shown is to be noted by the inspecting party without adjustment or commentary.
5:28
